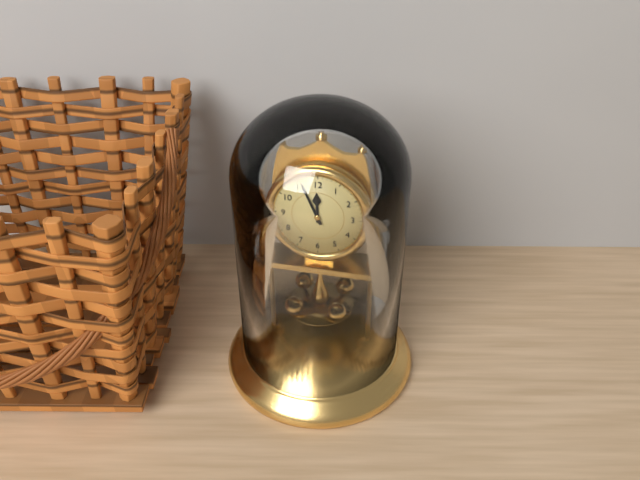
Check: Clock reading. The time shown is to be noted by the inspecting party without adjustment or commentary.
11:56
